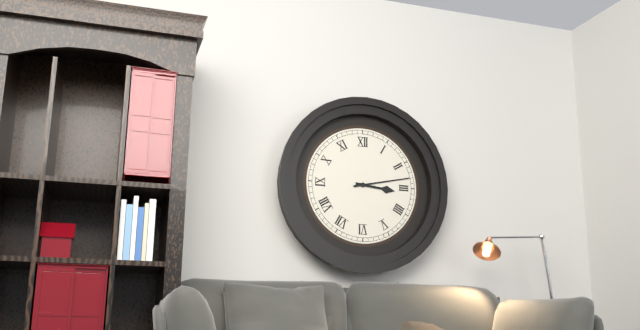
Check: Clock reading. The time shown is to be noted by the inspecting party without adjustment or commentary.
3:13
